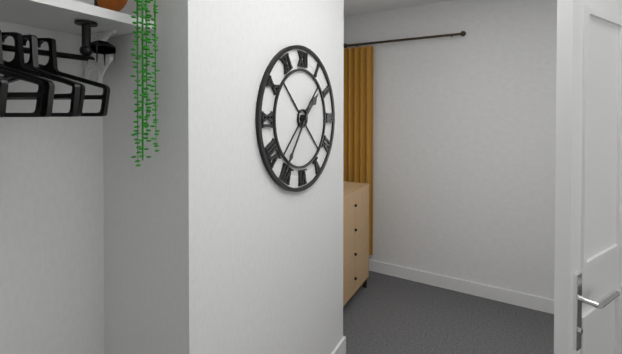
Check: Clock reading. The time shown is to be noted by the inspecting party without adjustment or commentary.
1:36
